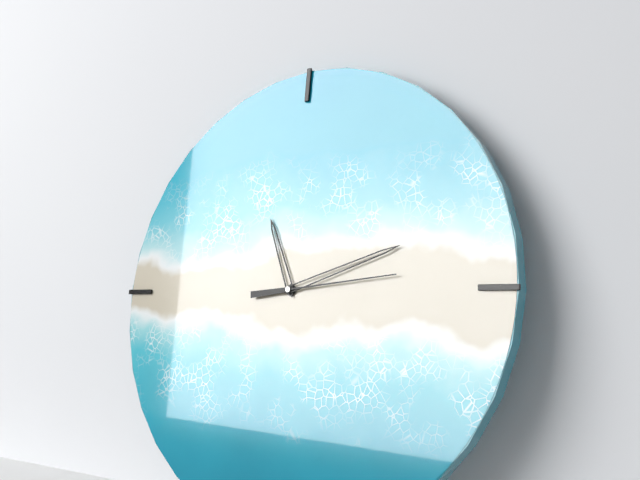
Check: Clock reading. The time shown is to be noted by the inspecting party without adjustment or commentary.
11:12:14
